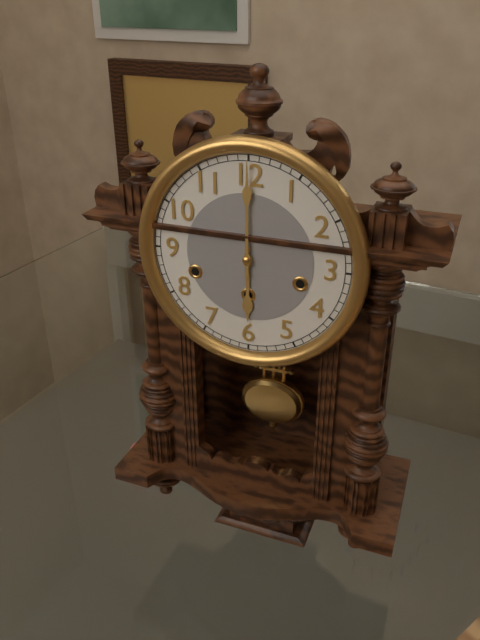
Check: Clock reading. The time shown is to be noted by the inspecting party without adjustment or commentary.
6:00
